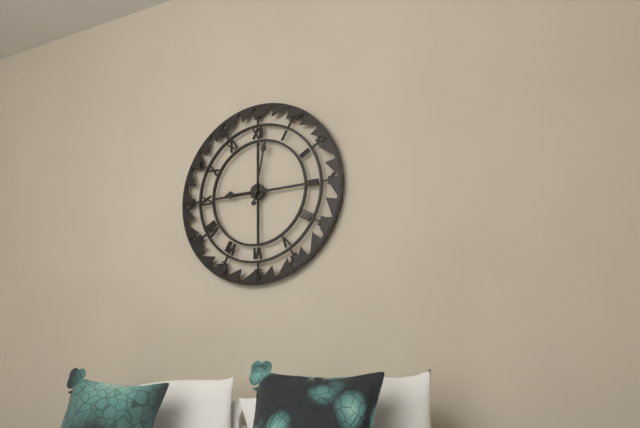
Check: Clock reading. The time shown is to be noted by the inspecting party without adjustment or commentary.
9:02
